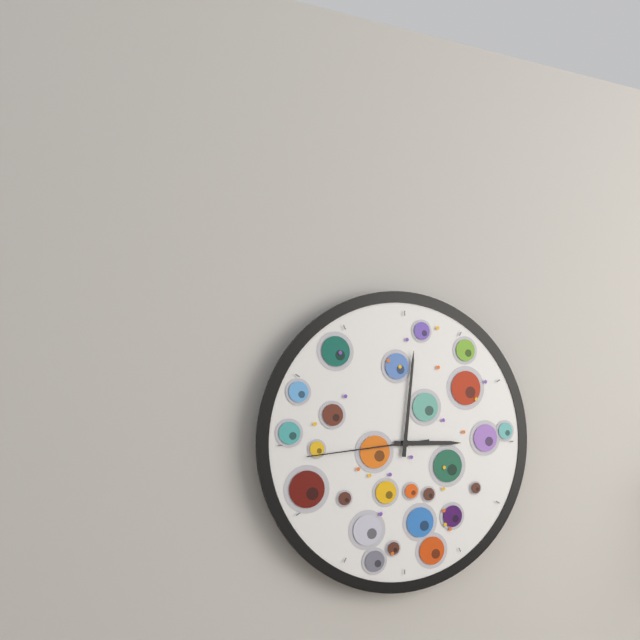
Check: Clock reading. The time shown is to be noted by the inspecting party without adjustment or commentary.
3:01:44
